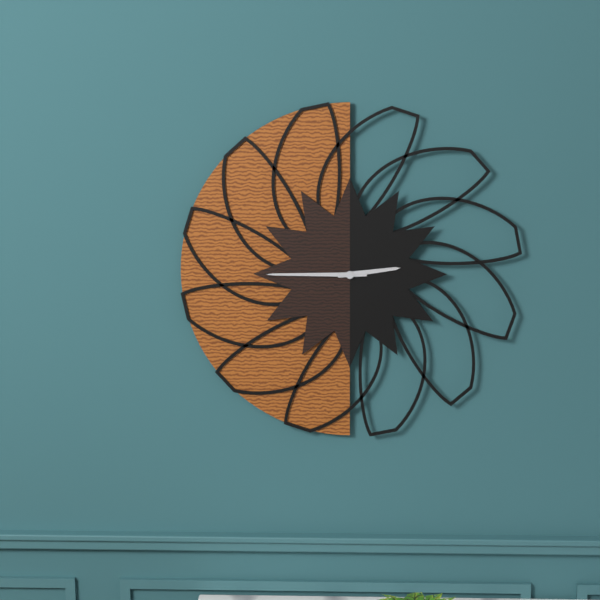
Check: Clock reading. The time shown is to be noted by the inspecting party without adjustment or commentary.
2:45
